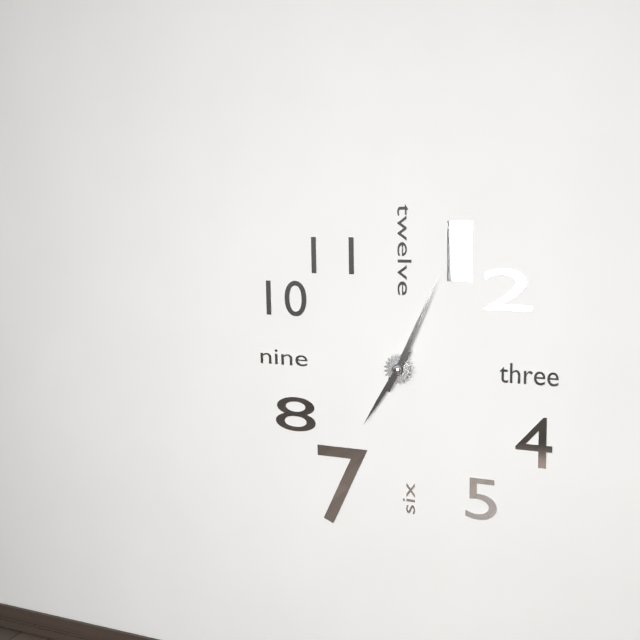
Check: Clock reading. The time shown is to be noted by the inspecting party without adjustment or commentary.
7:04
